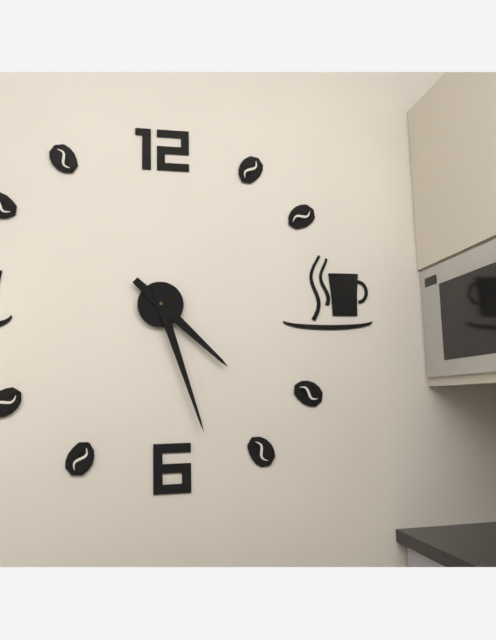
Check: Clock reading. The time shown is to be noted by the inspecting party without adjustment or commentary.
4:27
